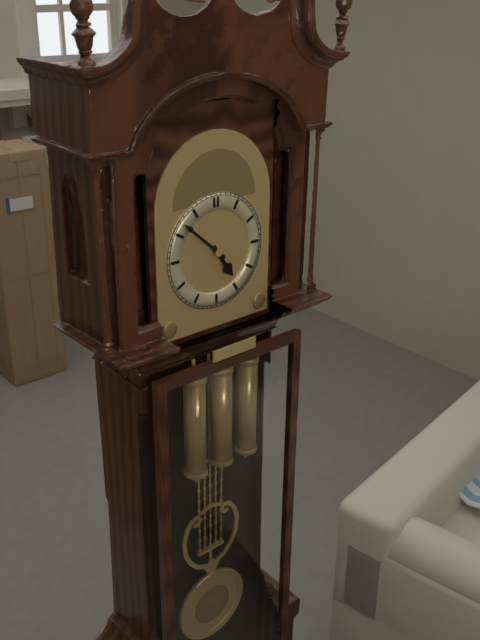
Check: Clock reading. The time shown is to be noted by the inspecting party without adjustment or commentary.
4:52
